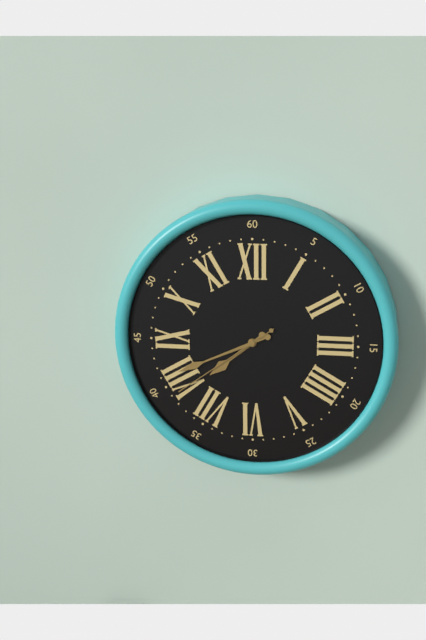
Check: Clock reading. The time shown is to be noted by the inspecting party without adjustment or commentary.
7:41:39
